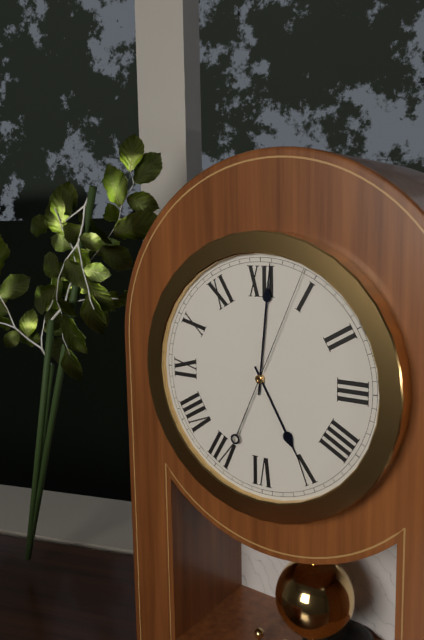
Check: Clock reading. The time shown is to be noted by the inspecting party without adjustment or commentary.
5:01:04
